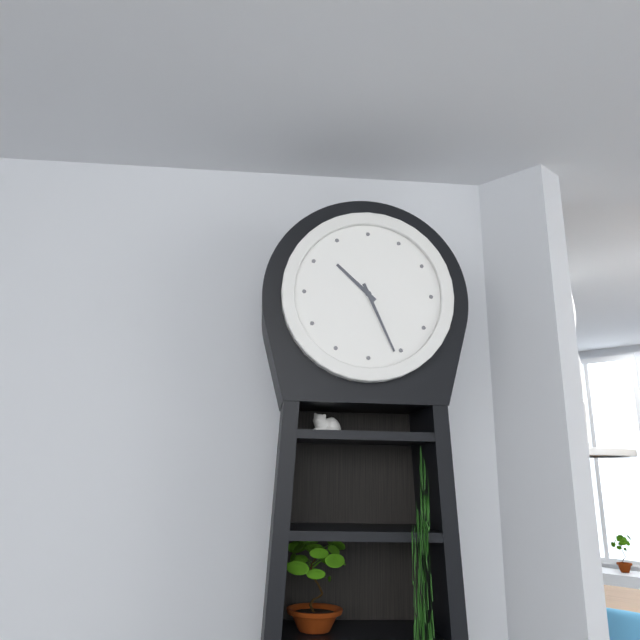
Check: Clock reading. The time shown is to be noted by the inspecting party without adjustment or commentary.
10:26
